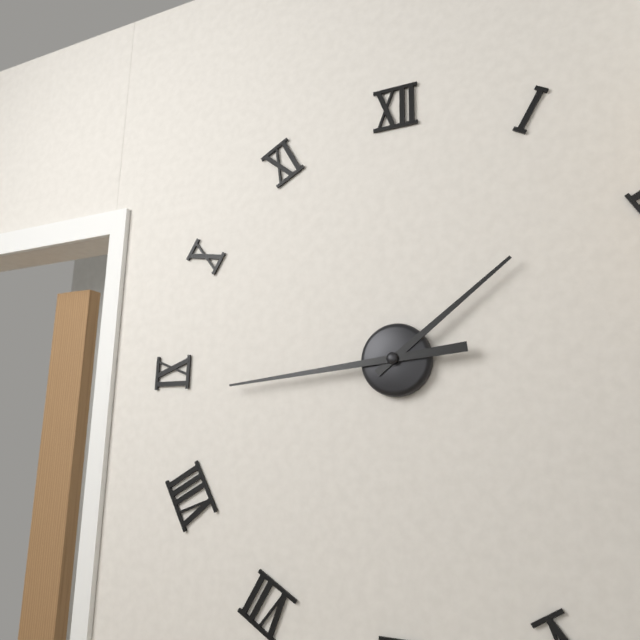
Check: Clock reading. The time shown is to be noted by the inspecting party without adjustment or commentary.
1:44
